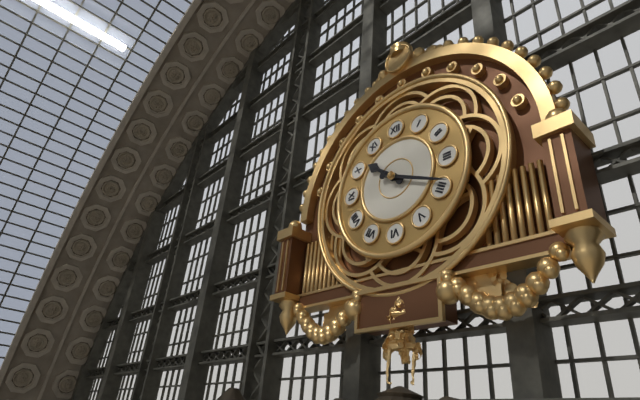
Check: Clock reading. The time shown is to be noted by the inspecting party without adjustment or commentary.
10:19
